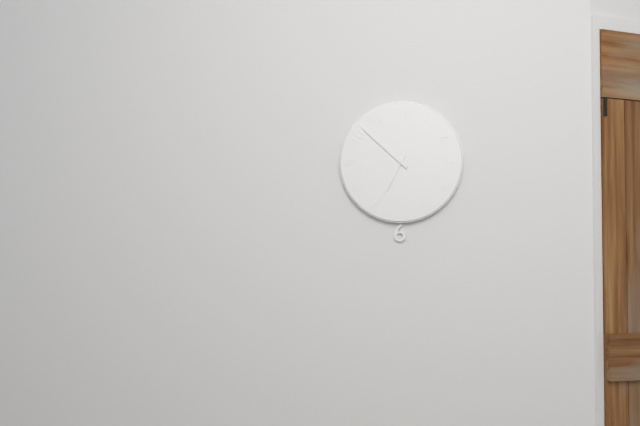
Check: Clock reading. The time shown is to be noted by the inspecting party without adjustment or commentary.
6:52
